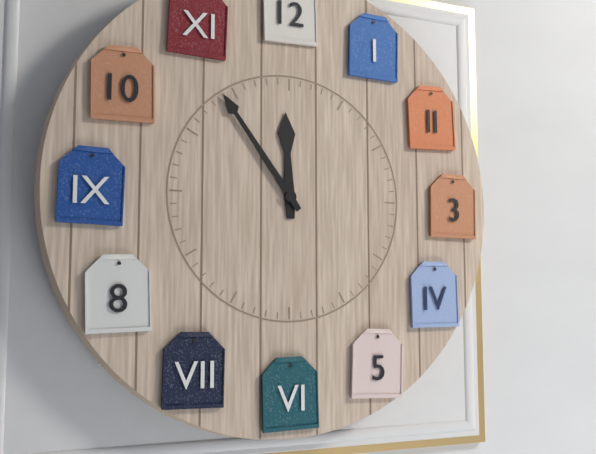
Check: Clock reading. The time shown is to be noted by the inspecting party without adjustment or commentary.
11:54
